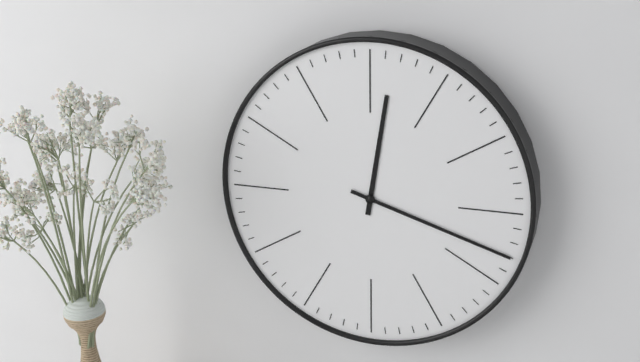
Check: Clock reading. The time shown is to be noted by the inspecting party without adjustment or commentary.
12:18
